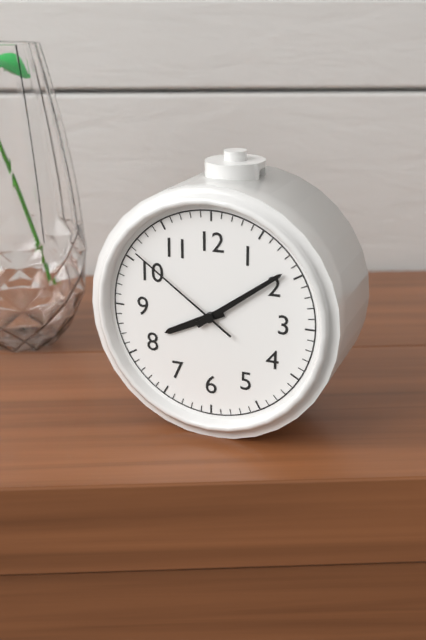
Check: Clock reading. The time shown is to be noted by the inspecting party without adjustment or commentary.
8:09:51
